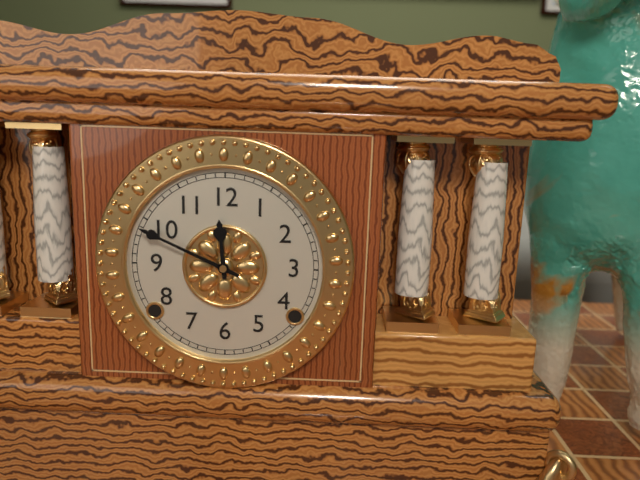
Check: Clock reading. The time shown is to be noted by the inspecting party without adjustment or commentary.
11:49
